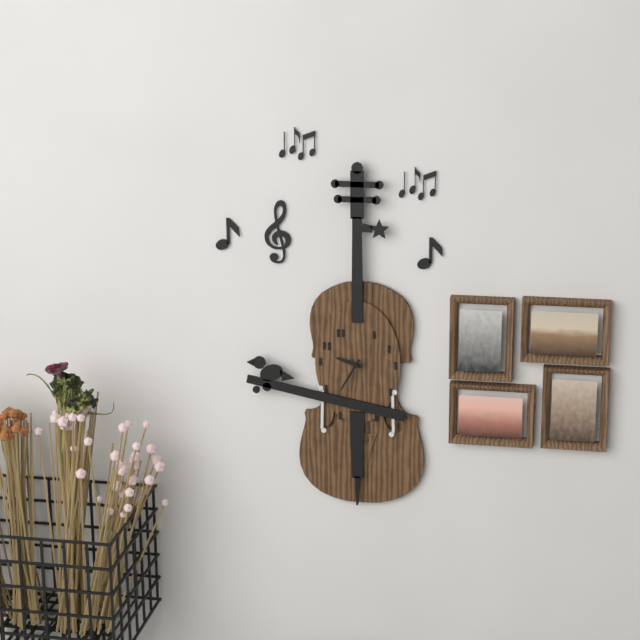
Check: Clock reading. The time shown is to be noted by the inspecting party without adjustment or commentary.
9:35
